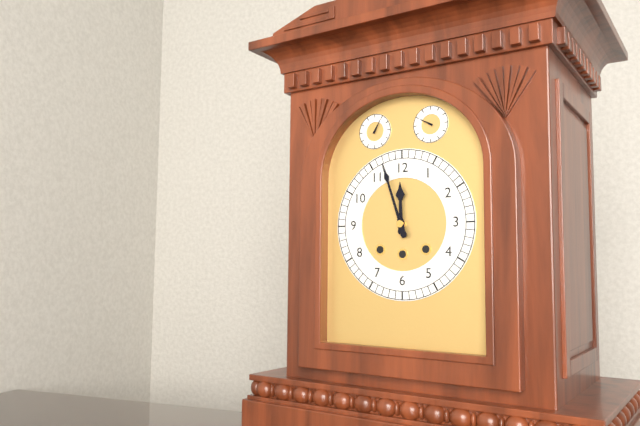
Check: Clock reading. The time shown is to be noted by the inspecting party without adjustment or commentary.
11:57
